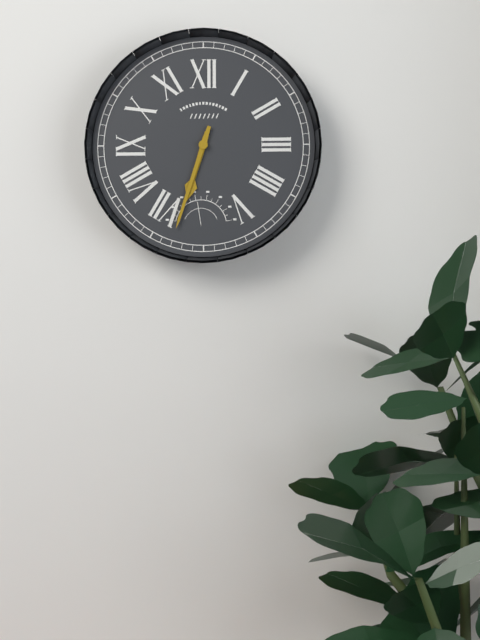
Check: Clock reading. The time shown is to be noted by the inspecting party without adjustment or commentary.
6:33
